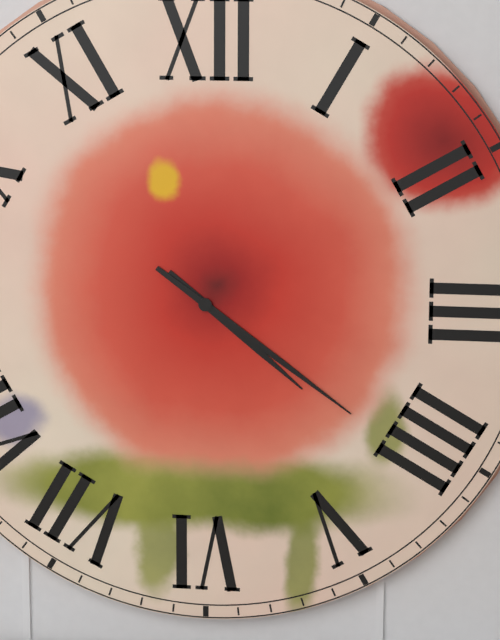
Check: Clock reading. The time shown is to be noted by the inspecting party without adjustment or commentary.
4:21
